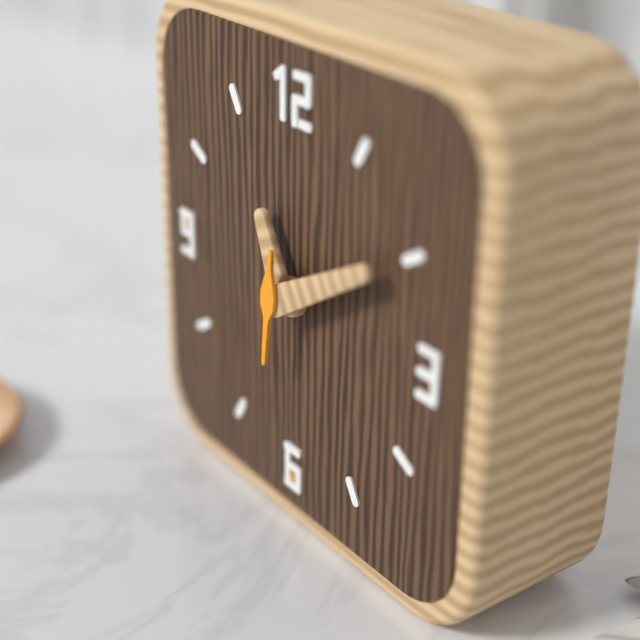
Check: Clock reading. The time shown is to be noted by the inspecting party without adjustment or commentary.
11:10:31
